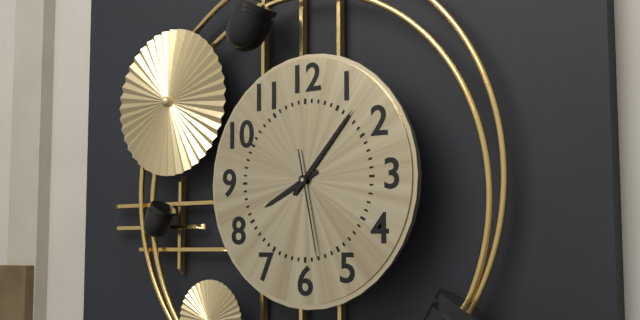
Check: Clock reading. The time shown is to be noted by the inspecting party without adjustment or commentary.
8:07:28
